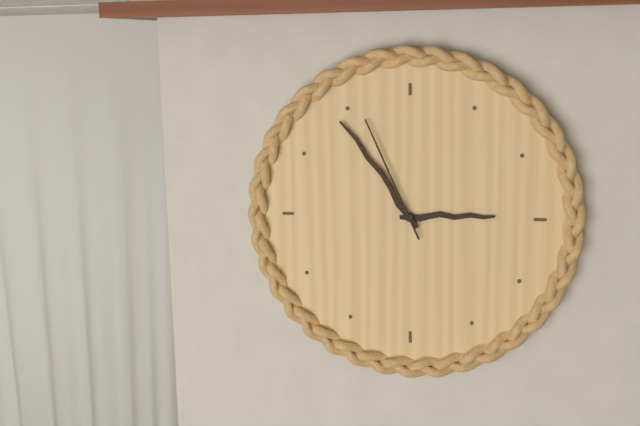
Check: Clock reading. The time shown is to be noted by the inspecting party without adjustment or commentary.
2:54:56
